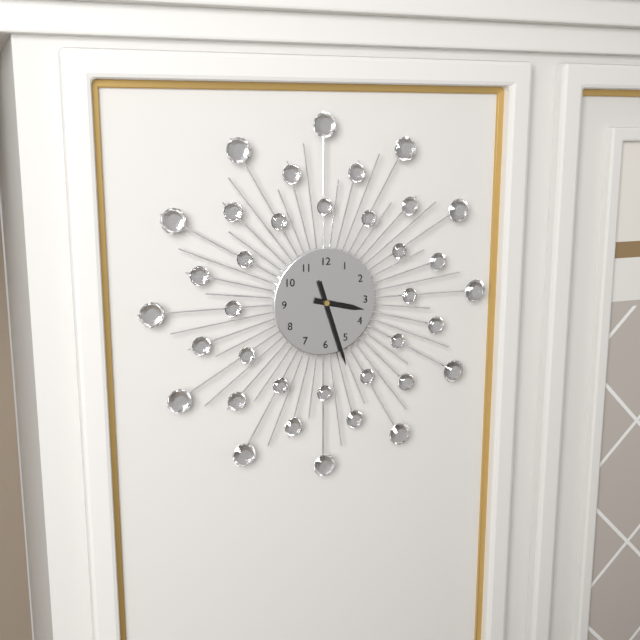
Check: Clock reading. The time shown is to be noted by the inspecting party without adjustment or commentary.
3:27
